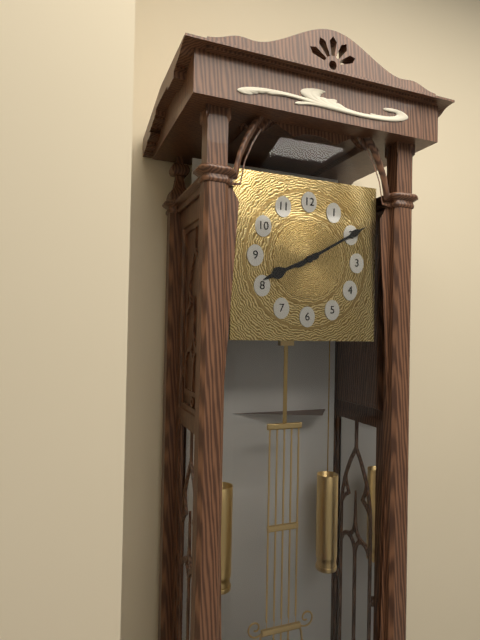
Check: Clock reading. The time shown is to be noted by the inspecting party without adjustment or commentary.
8:10
